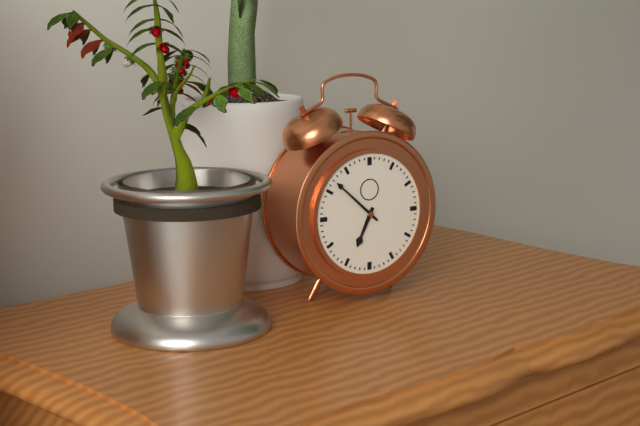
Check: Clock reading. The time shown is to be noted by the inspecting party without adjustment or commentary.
6:52
